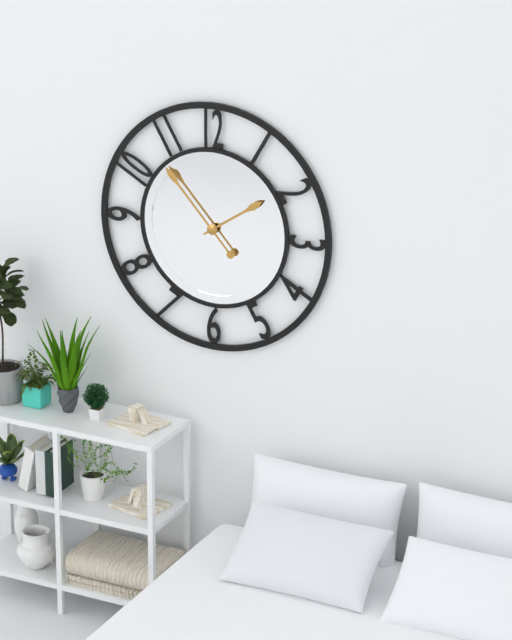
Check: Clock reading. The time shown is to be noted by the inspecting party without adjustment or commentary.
1:53
